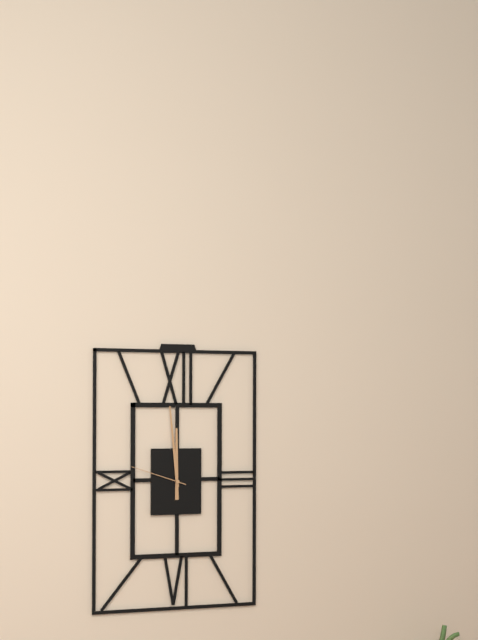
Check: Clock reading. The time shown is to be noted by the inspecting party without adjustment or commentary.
11:59:48
